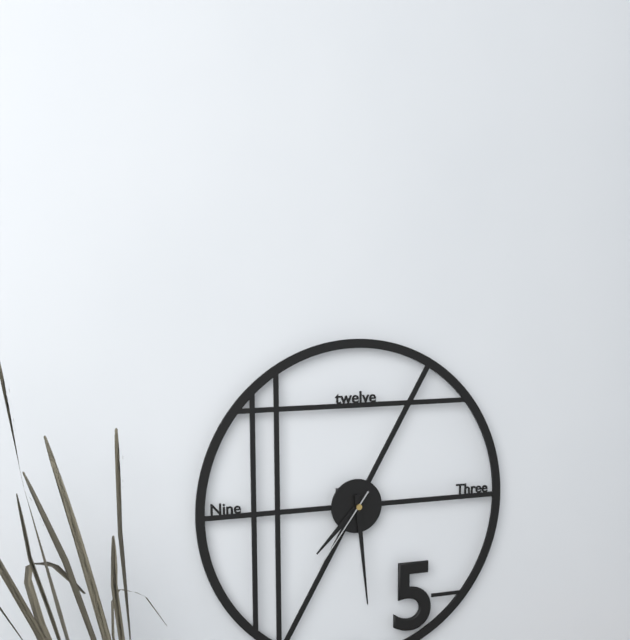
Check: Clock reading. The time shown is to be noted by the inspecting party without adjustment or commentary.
7:29:36
